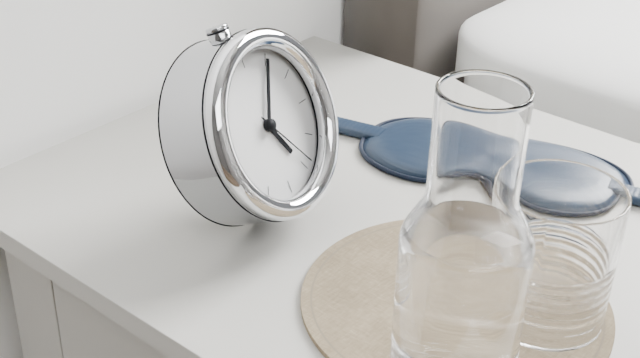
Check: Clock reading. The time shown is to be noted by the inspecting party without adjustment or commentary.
5:05:24
